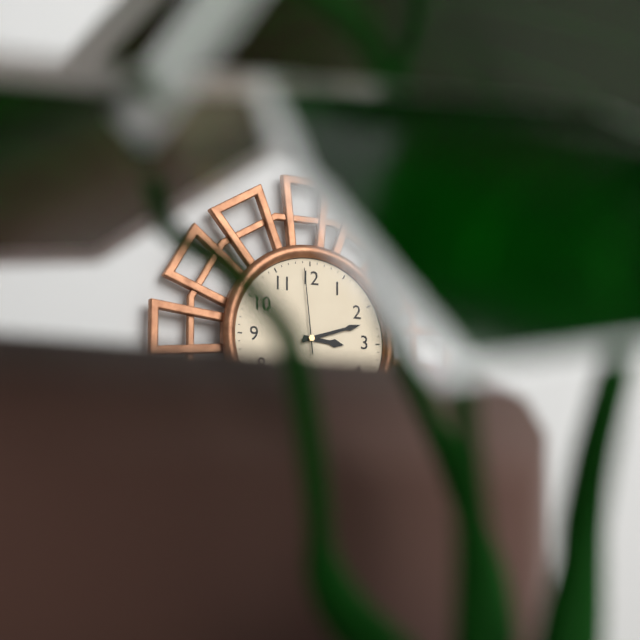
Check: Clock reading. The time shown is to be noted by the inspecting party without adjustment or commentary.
3:12:59
